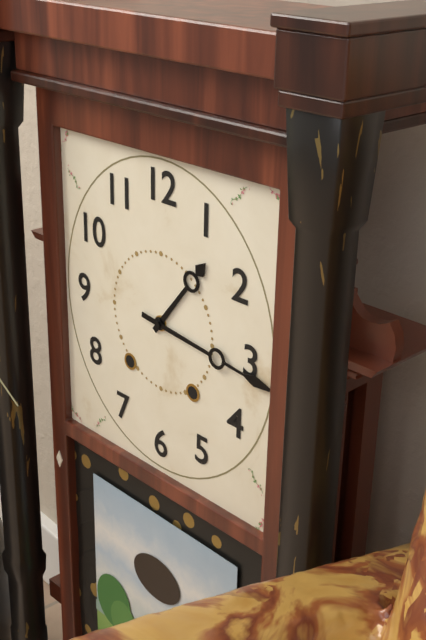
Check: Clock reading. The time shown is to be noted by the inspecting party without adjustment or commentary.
1:16
